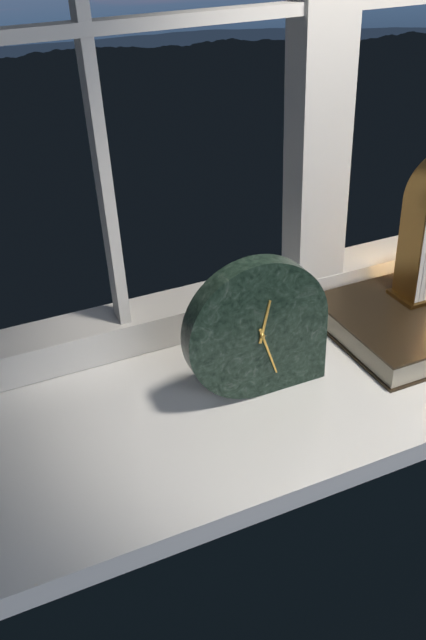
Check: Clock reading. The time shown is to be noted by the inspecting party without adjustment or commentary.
12:27
